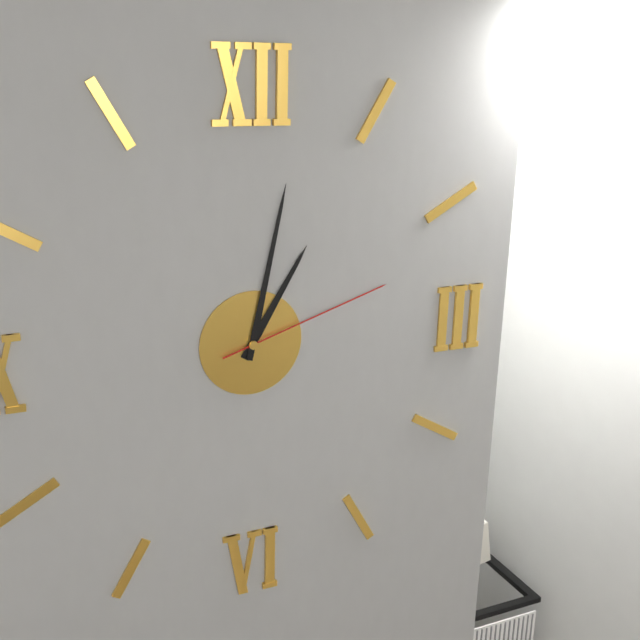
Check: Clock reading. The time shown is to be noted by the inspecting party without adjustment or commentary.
1:02:12
